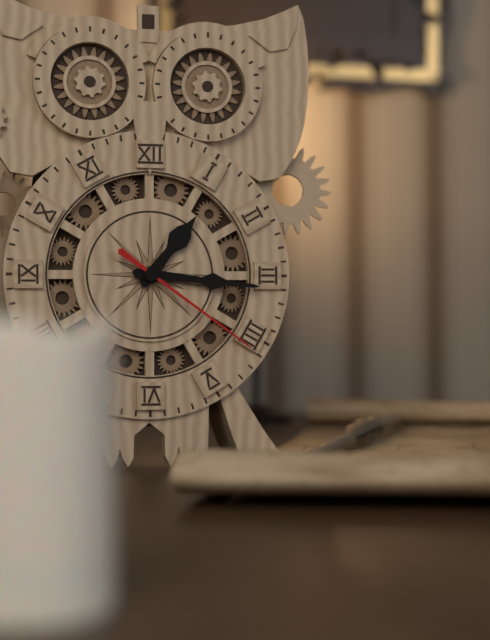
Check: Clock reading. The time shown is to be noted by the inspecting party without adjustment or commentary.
1:16:21
